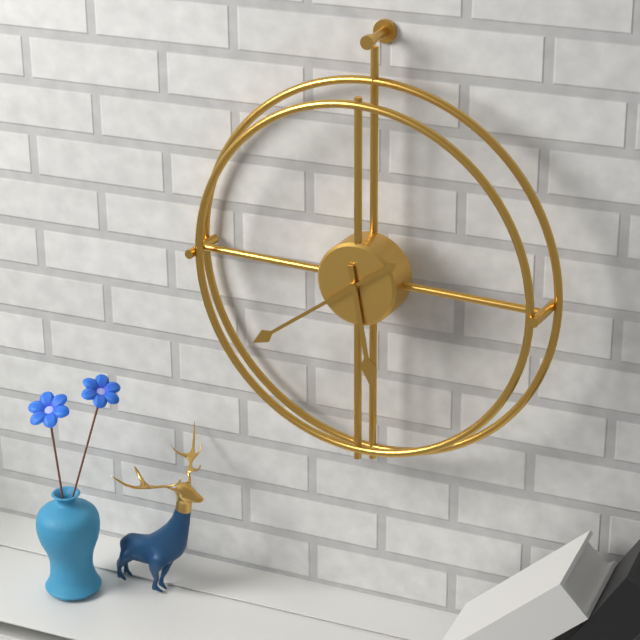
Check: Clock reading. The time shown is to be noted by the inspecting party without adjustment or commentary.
5:39
